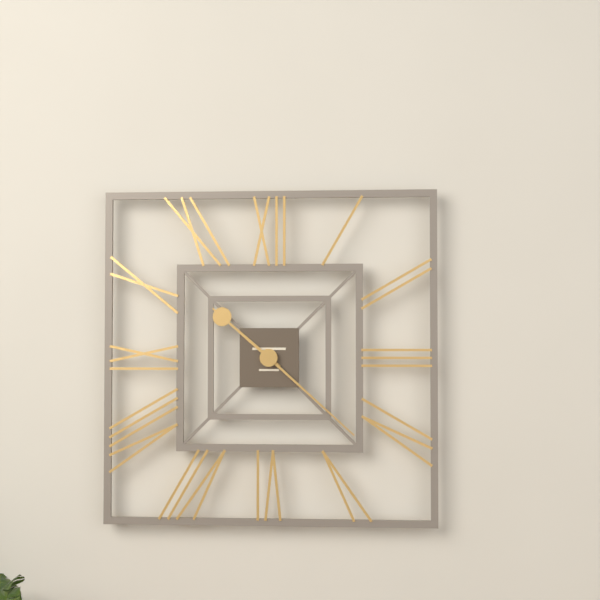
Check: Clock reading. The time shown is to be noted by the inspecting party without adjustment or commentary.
10:22
